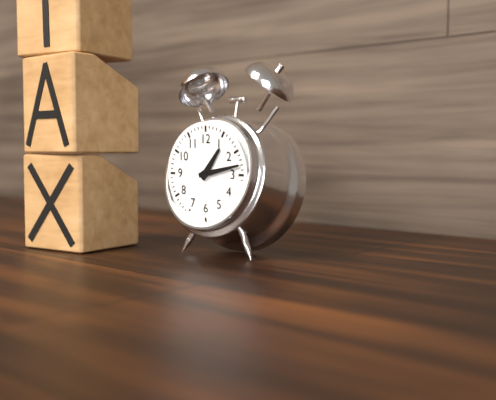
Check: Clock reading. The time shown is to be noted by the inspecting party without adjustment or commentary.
1:13
